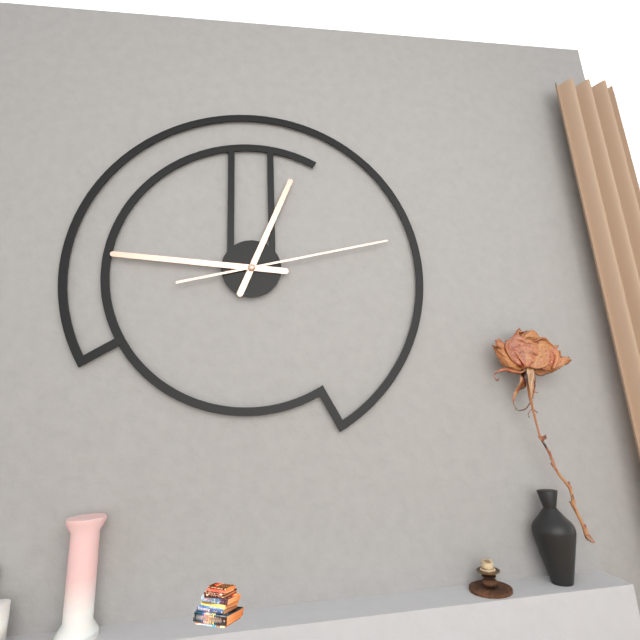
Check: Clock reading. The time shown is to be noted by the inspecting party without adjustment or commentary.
12:46:13
